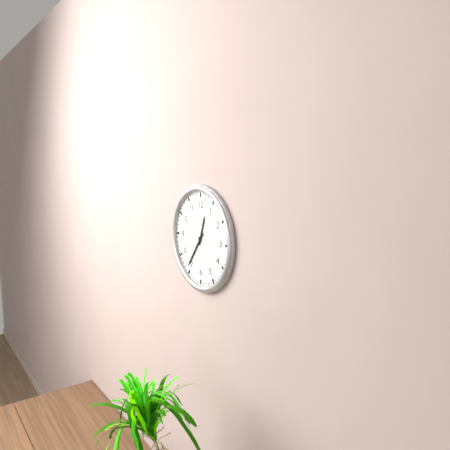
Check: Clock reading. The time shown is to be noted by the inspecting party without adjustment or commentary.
12:36
